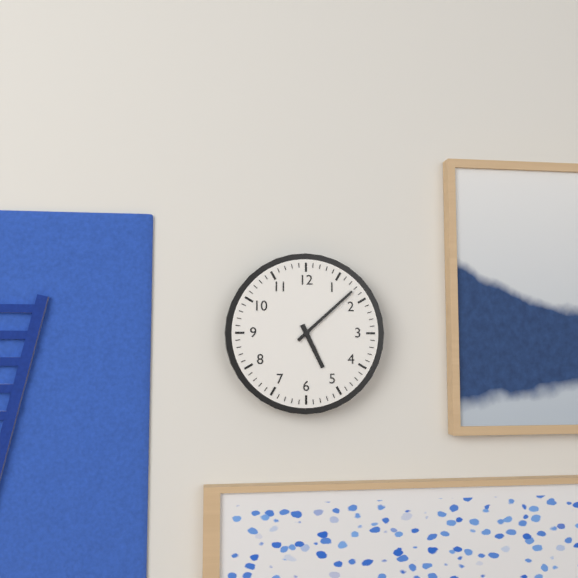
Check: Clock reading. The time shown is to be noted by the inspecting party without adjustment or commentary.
5:08
